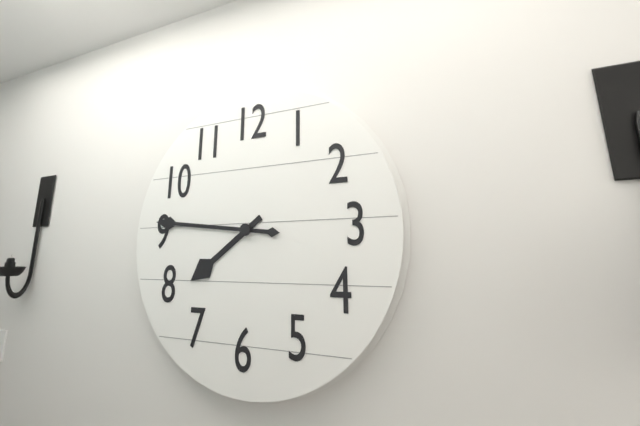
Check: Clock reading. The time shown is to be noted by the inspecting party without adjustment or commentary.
7:46
